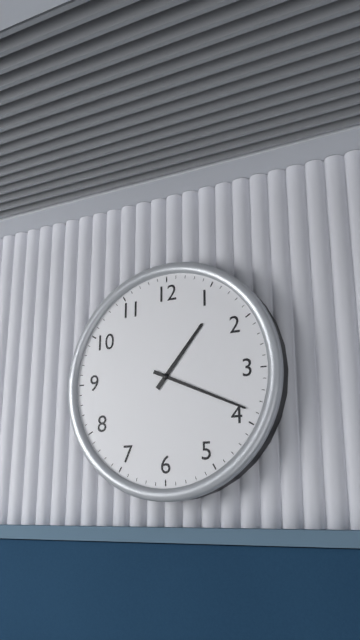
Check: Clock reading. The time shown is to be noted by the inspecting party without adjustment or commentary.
1:19
